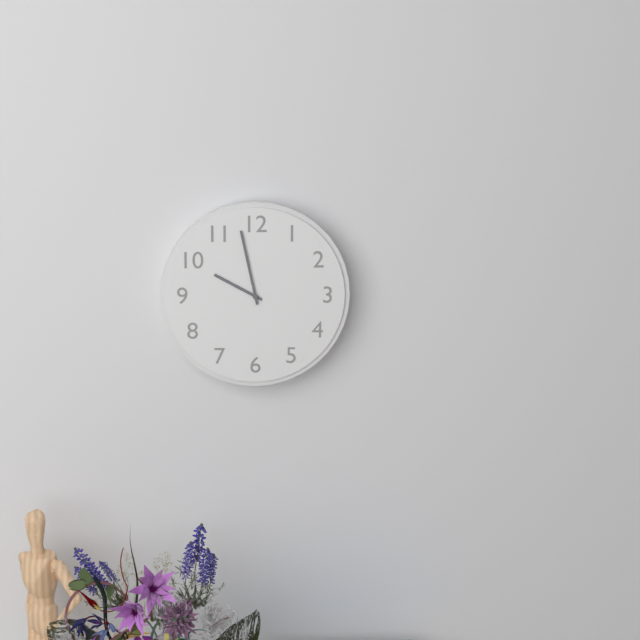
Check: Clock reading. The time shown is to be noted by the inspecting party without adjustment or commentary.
9:58
